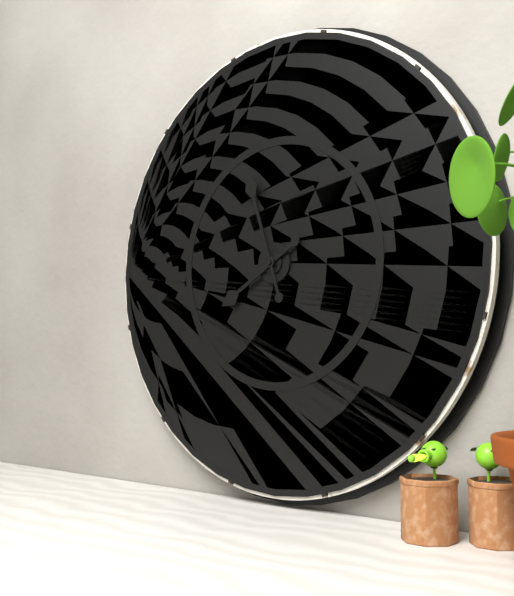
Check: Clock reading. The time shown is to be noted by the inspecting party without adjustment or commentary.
7:57
